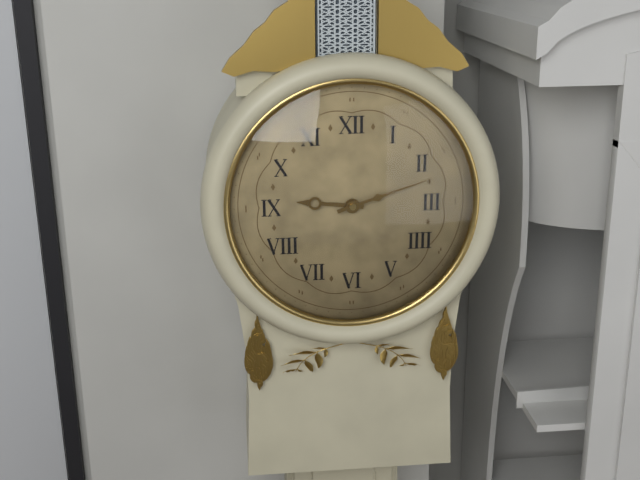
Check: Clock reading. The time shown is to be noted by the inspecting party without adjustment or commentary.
9:12
